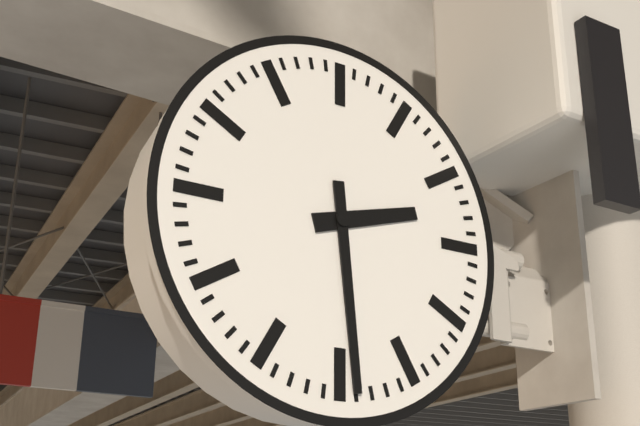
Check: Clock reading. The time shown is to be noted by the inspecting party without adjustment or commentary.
2:29
